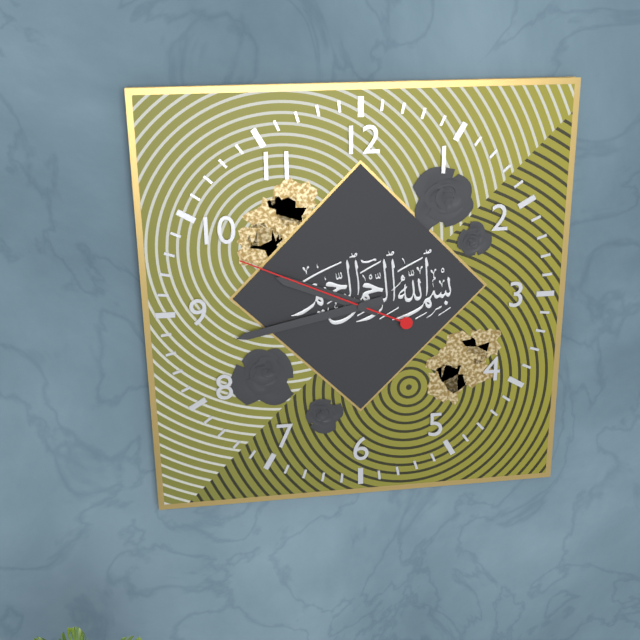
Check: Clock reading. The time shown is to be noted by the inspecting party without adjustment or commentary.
9:43:49
